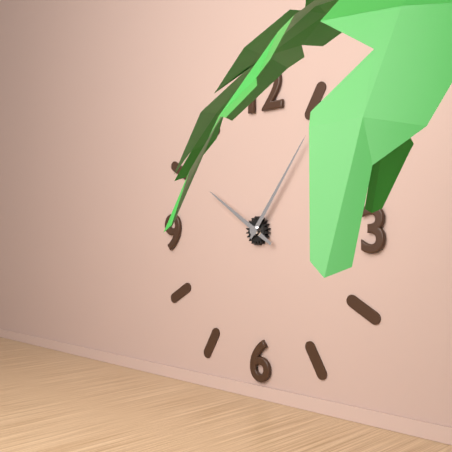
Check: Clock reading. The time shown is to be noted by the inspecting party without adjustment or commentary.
10:06
